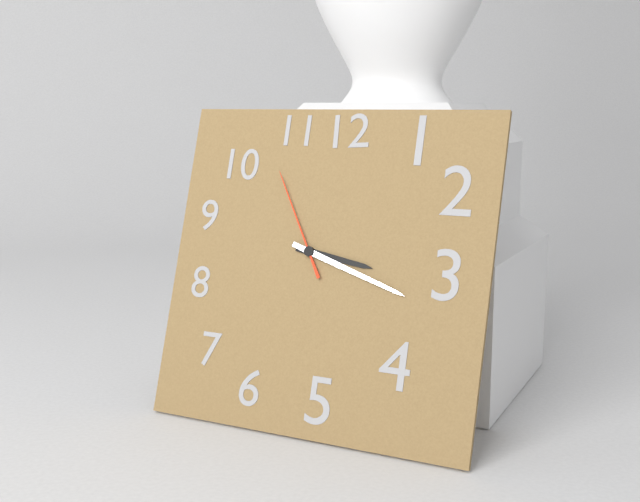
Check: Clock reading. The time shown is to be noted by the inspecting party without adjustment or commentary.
3:18:55
